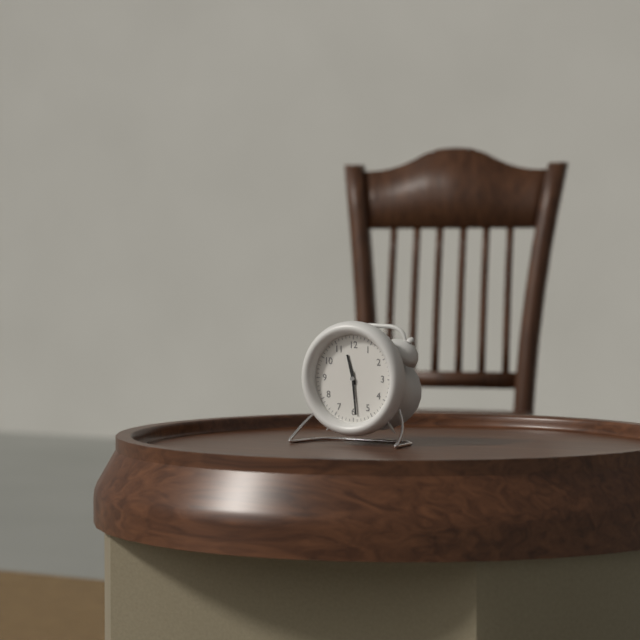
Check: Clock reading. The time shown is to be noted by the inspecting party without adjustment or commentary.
11:29
